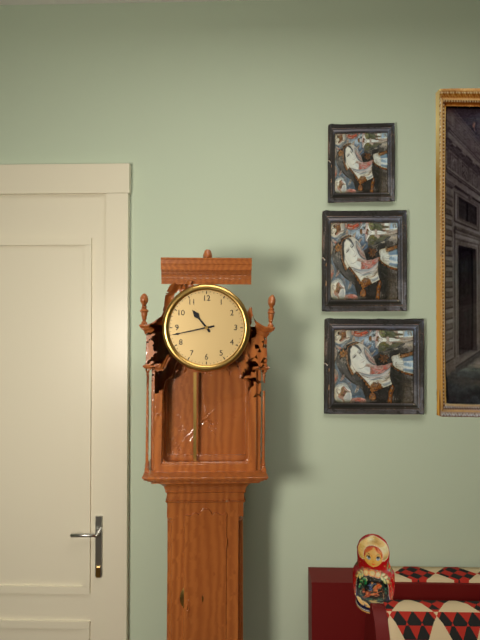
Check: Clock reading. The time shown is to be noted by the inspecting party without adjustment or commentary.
10:43
